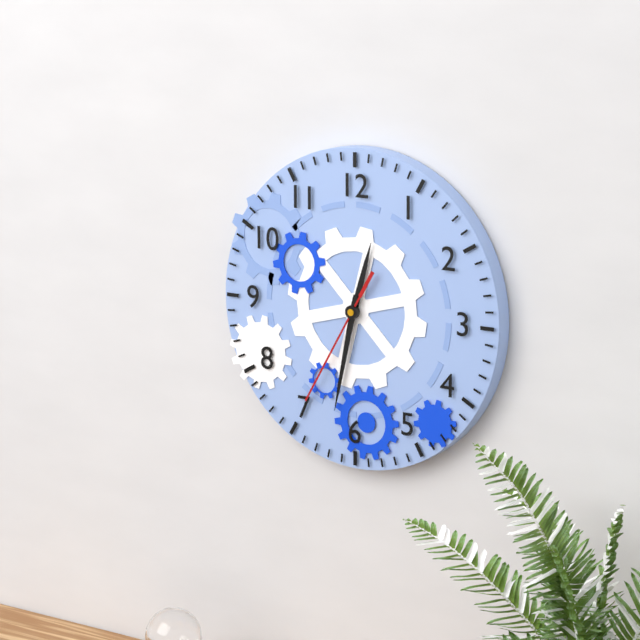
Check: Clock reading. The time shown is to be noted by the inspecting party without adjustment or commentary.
12:32:35
